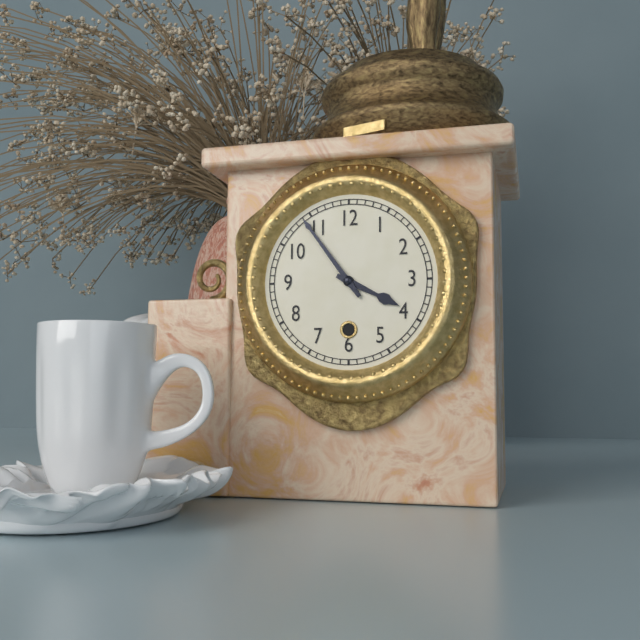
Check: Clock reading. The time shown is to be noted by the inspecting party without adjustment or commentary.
3:54
